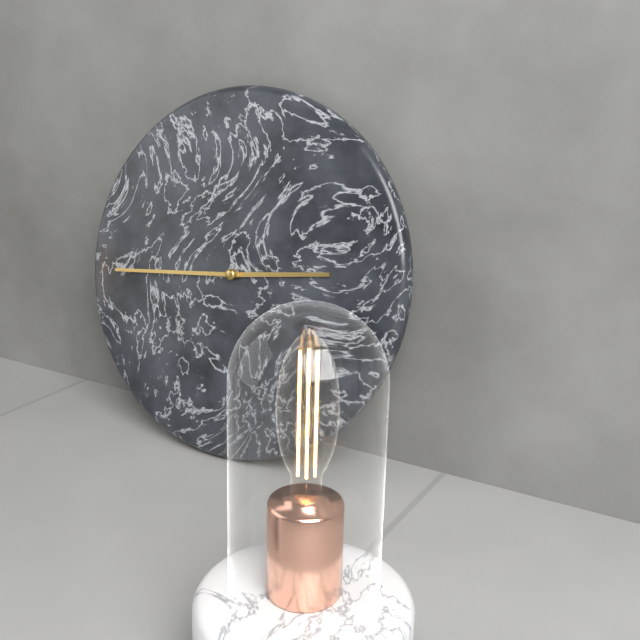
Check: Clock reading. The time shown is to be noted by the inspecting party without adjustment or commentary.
2:44
